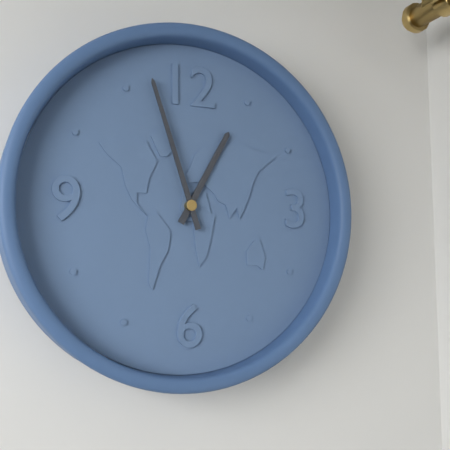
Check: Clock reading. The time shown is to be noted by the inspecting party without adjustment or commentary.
12:57
